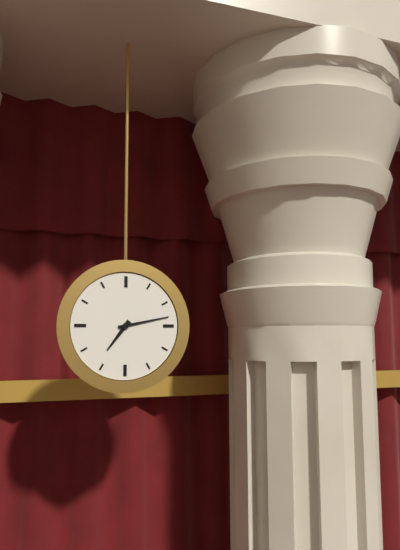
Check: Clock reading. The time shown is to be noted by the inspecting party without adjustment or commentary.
7:13
